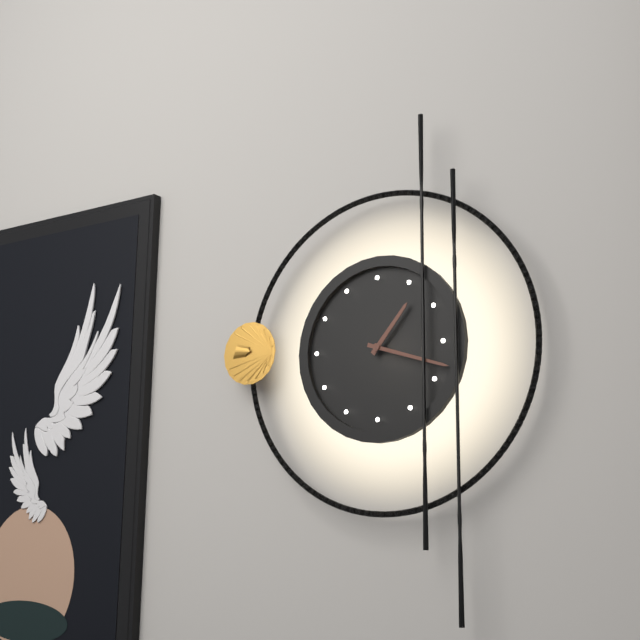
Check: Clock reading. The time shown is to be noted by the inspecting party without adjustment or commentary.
1:18
